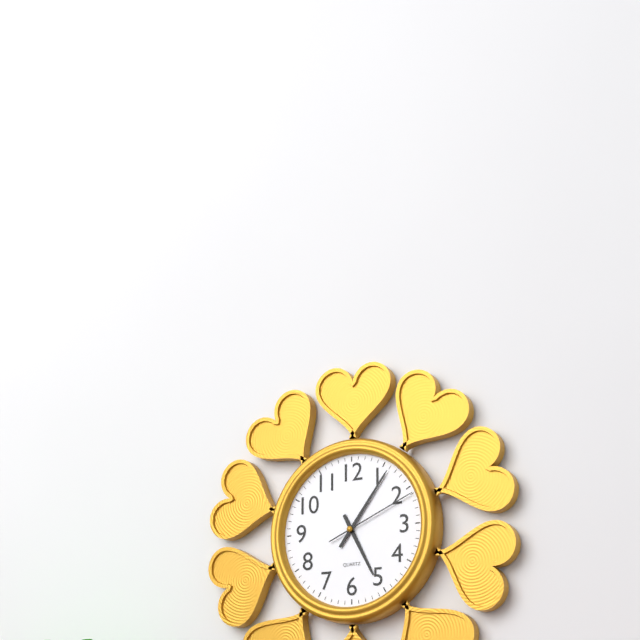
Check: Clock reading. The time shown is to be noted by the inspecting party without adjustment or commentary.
5:06:11
